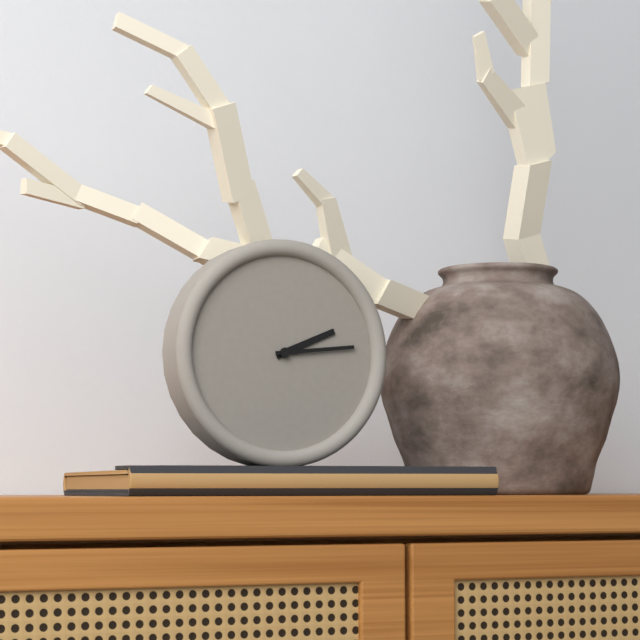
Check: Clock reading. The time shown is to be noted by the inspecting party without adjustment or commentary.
2:14
